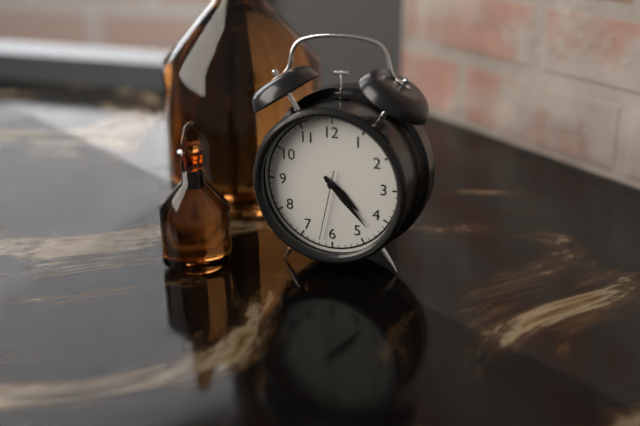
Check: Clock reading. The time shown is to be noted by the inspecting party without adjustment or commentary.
4:23:32
